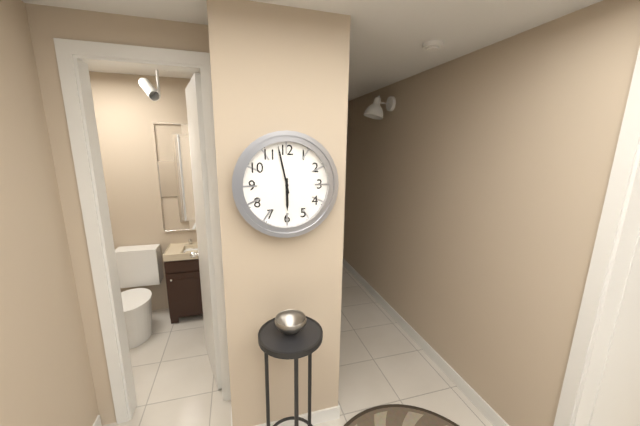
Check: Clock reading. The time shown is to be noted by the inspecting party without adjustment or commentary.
5:58
